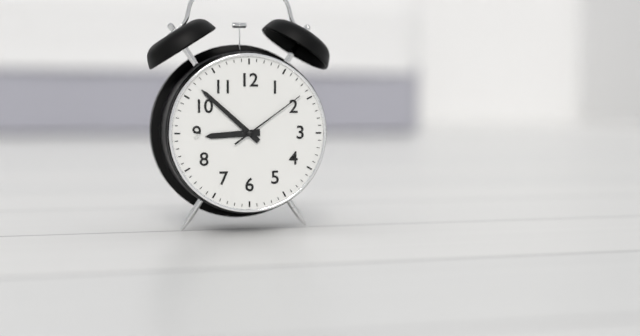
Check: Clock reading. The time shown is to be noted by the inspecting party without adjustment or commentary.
8:52:09
